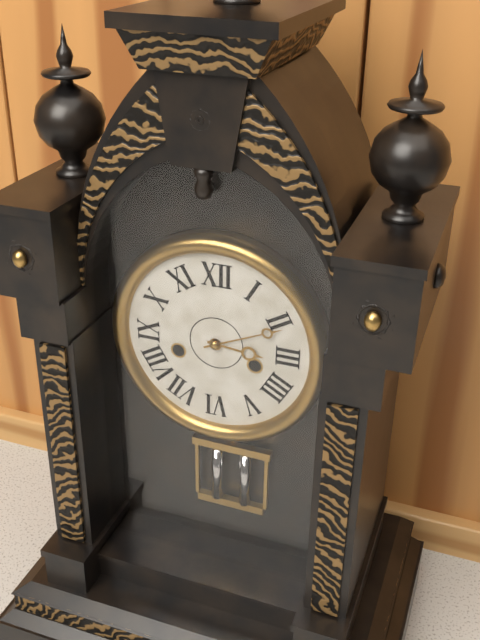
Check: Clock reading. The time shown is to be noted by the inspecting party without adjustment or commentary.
3:11
